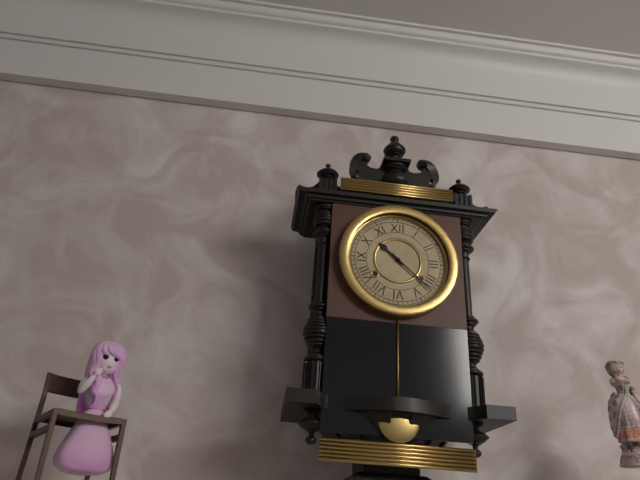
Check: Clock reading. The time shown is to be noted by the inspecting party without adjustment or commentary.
10:22
